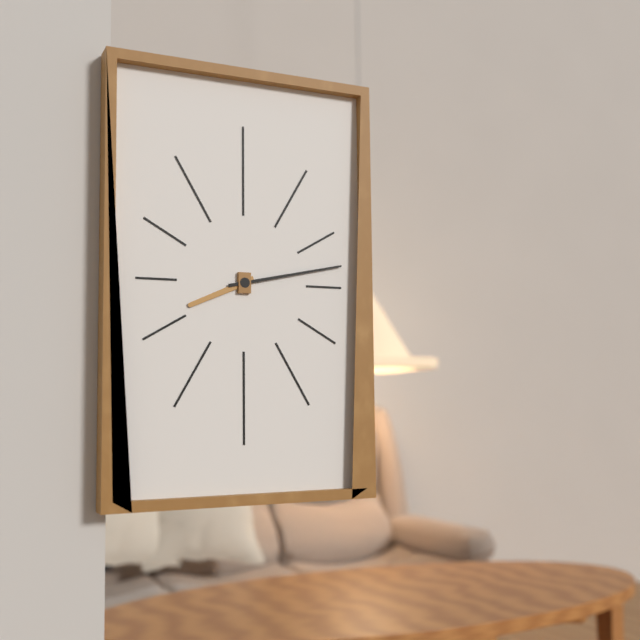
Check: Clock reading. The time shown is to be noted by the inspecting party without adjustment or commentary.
8:13
